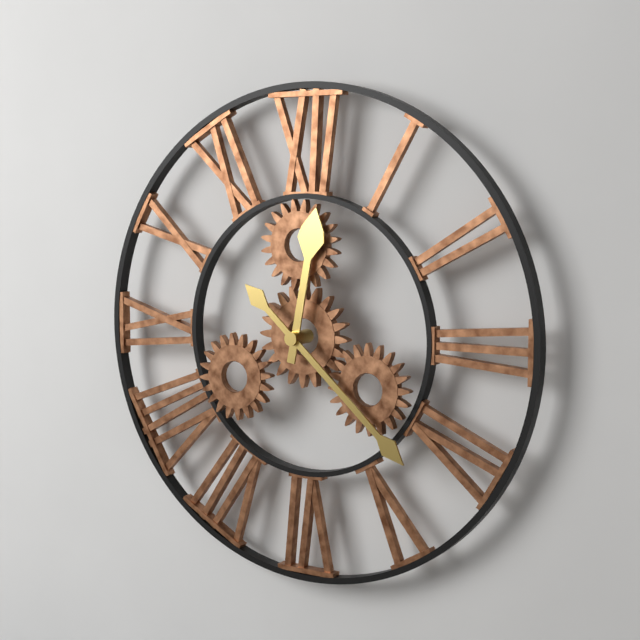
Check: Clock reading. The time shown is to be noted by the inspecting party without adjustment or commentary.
12:22
